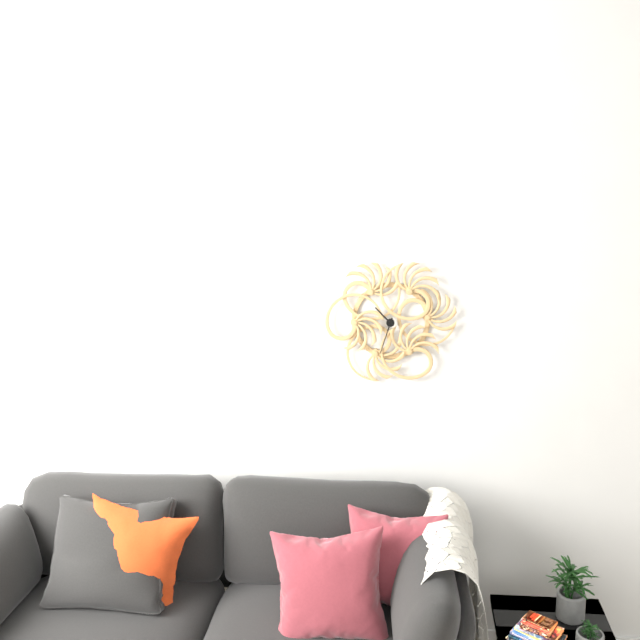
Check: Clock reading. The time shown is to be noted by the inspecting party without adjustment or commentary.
10:33
